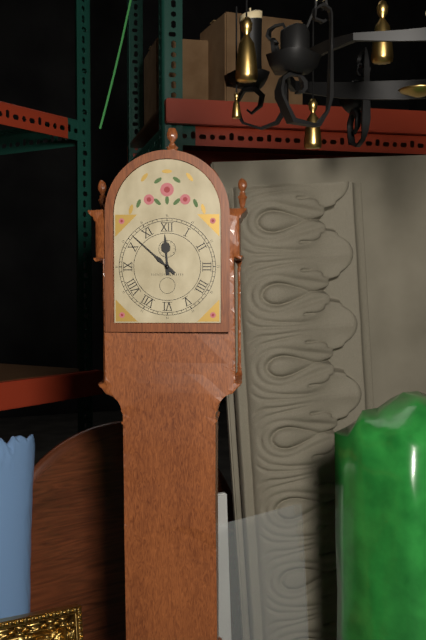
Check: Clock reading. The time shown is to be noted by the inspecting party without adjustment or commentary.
11:52
